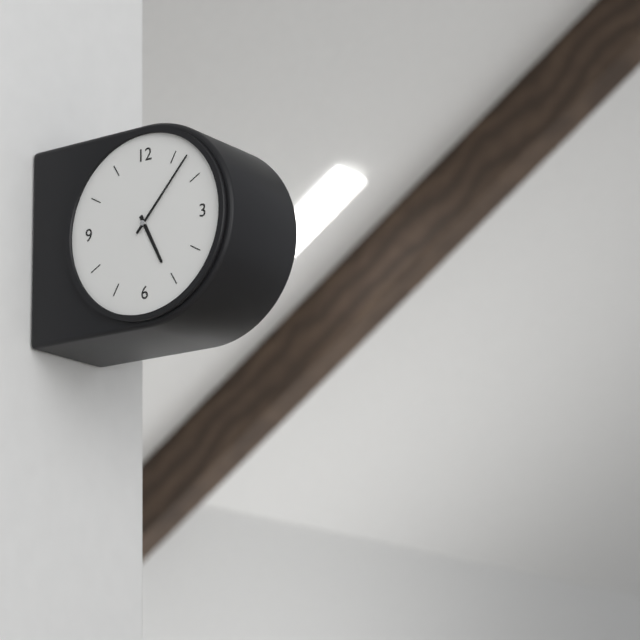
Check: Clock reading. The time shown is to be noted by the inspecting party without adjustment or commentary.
5:07
